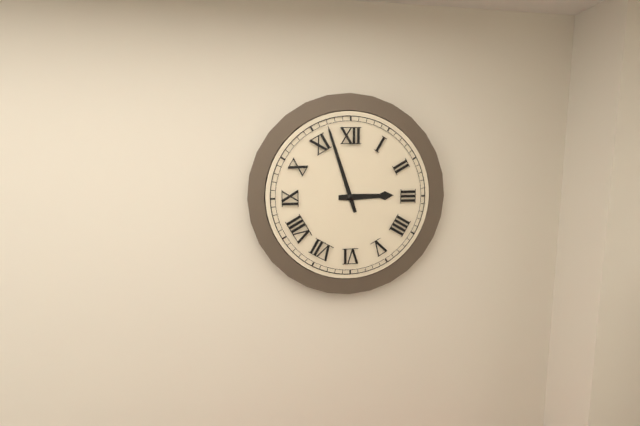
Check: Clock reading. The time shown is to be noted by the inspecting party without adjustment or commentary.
2:57
